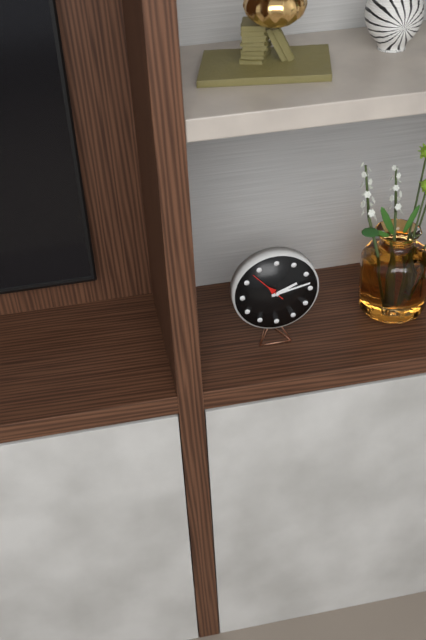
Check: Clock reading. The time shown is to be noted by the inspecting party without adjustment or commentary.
2:13
